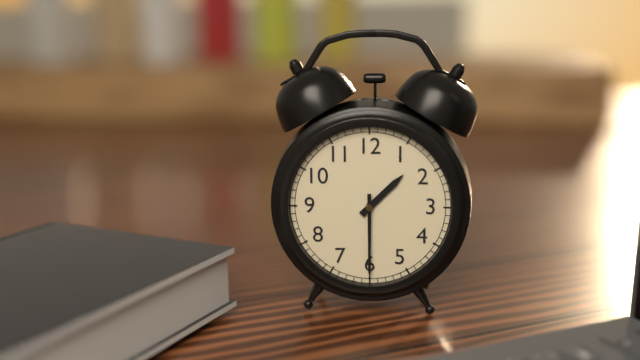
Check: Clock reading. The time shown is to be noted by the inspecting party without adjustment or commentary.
1:30
